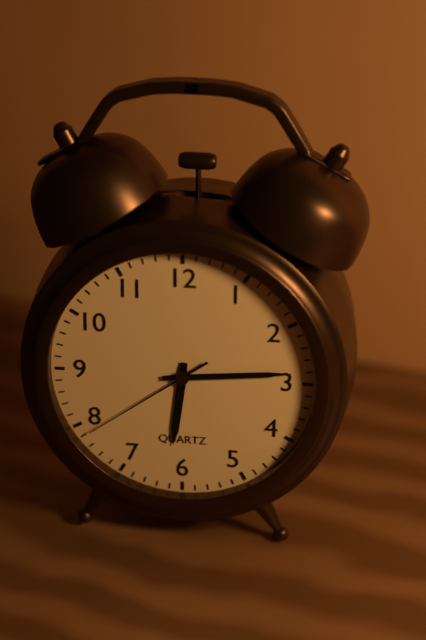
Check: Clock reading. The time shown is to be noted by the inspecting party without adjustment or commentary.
6:14:39
